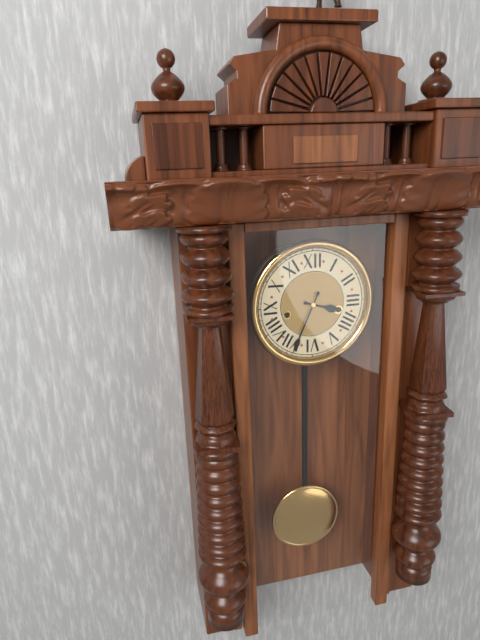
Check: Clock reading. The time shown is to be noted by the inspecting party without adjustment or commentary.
3:34
